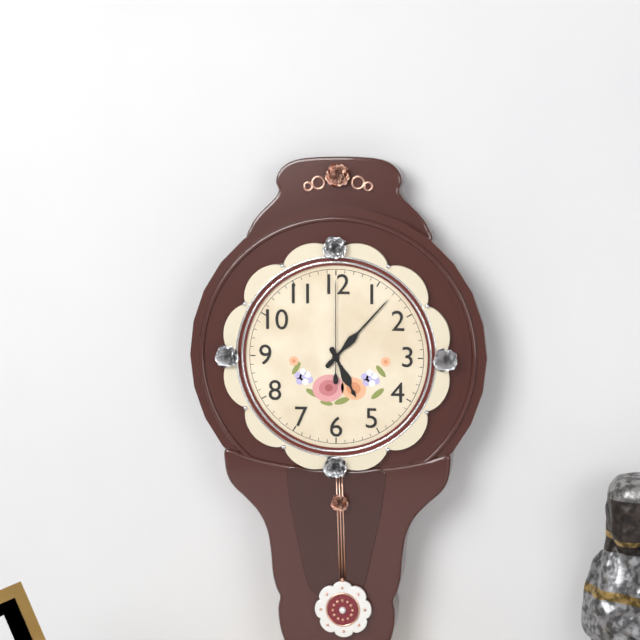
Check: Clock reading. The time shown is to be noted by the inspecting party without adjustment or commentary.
5:07:00
